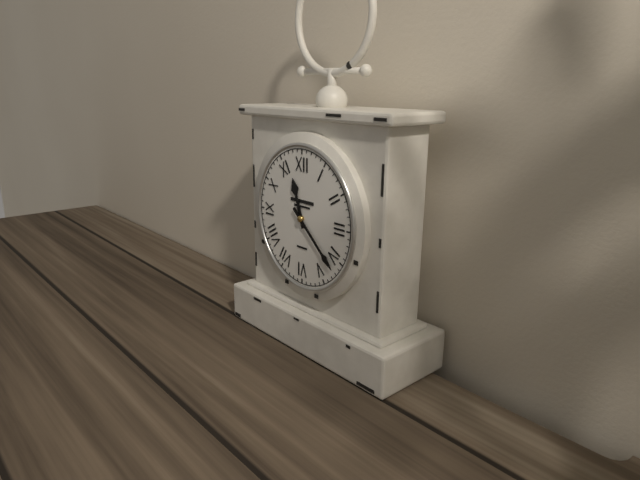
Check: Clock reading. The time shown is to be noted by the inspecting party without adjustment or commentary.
11:22
